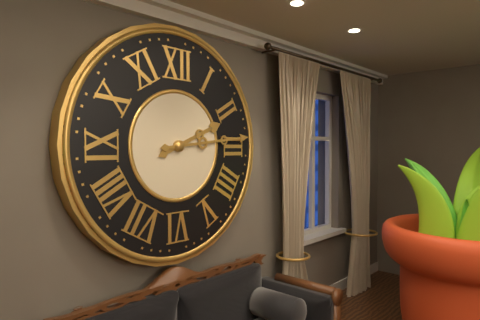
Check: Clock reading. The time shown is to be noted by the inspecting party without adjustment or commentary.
2:14
